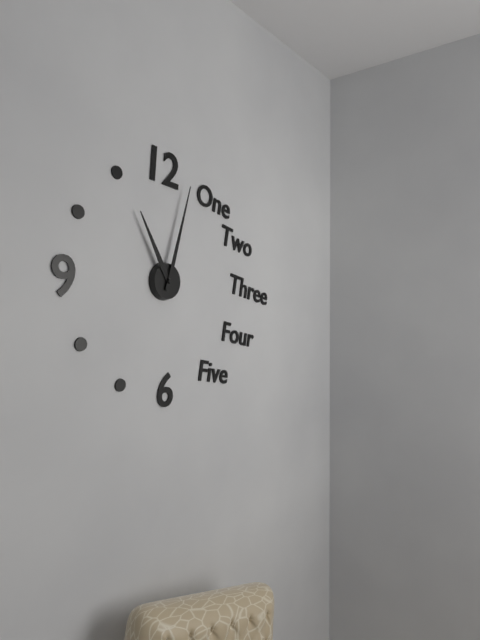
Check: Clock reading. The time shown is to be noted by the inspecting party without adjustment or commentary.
11:03
